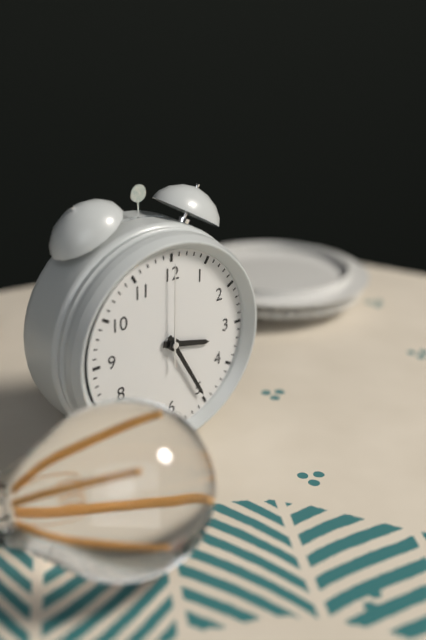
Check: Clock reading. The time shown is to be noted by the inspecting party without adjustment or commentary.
3:25:00
